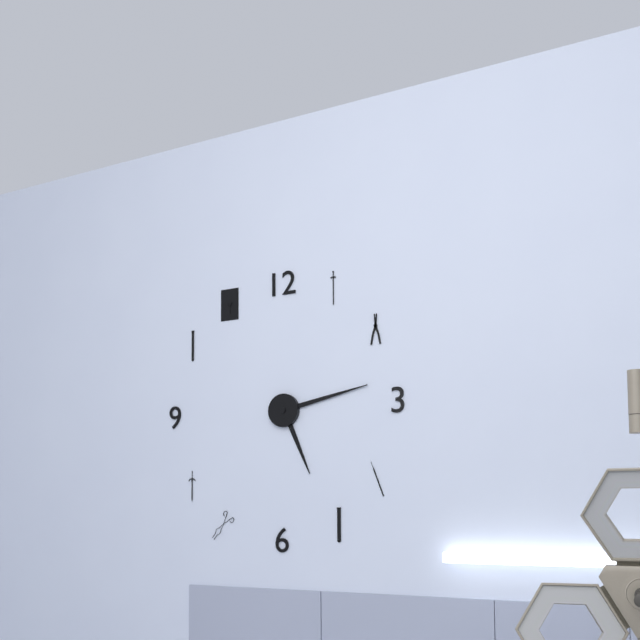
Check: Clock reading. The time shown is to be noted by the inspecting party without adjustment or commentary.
5:13
